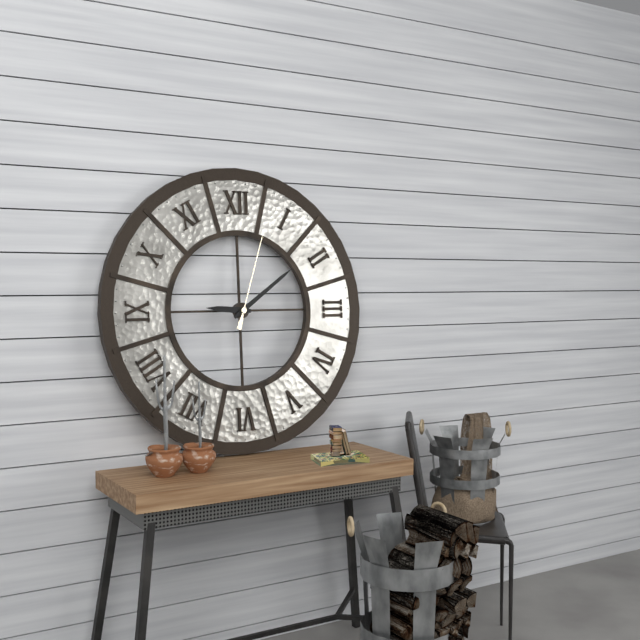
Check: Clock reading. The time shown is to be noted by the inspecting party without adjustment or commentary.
9:09:03
